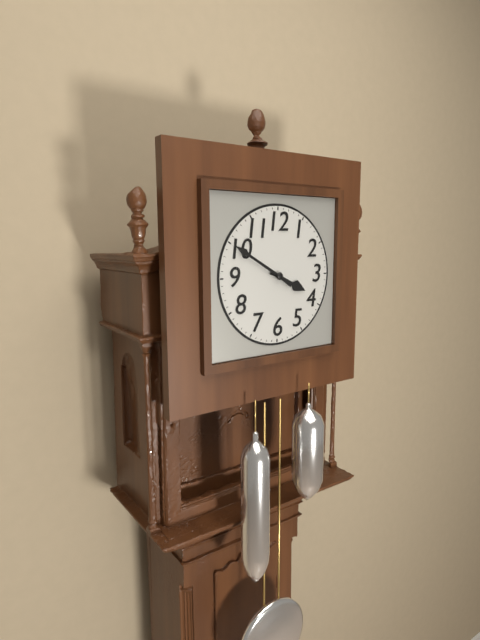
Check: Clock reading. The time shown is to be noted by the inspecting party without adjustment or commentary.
3:50
